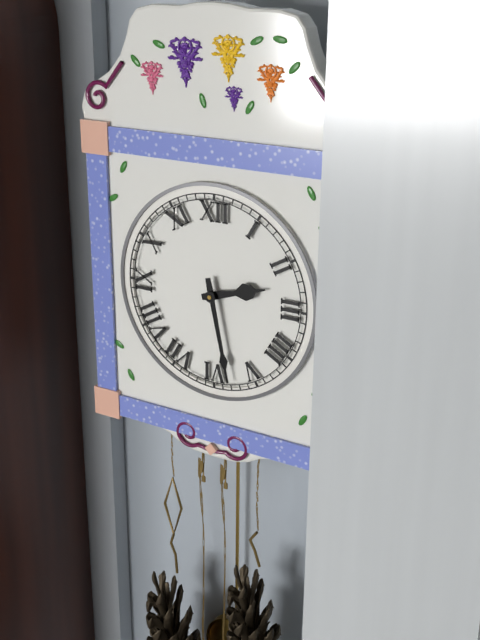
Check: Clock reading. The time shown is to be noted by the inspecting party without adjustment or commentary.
2:28
